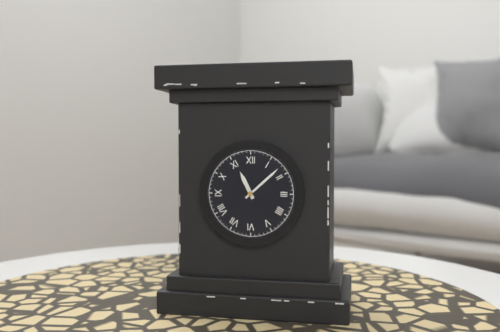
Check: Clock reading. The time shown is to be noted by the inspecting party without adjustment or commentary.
11:08
